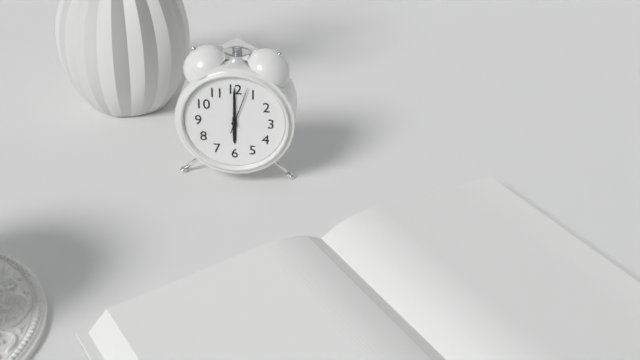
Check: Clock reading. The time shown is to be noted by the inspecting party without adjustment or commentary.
6:00
